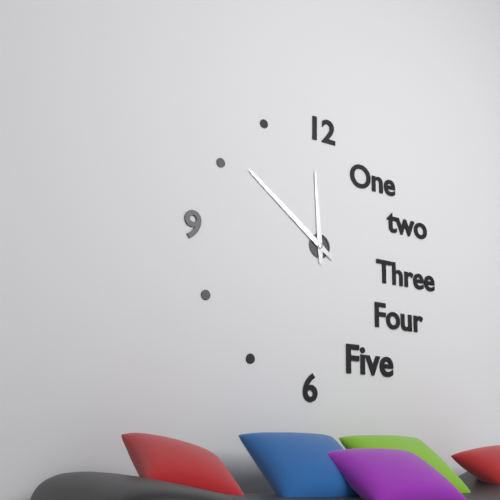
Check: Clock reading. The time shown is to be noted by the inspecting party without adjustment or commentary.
11:51
